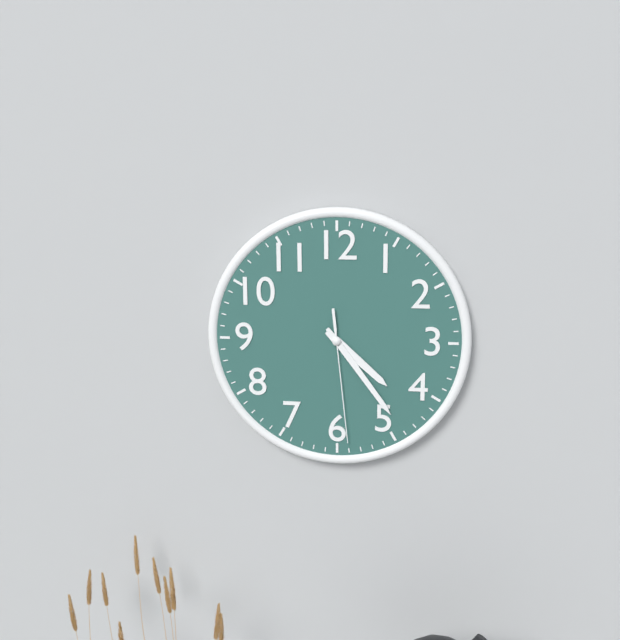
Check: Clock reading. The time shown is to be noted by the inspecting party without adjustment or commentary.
4:24:29
